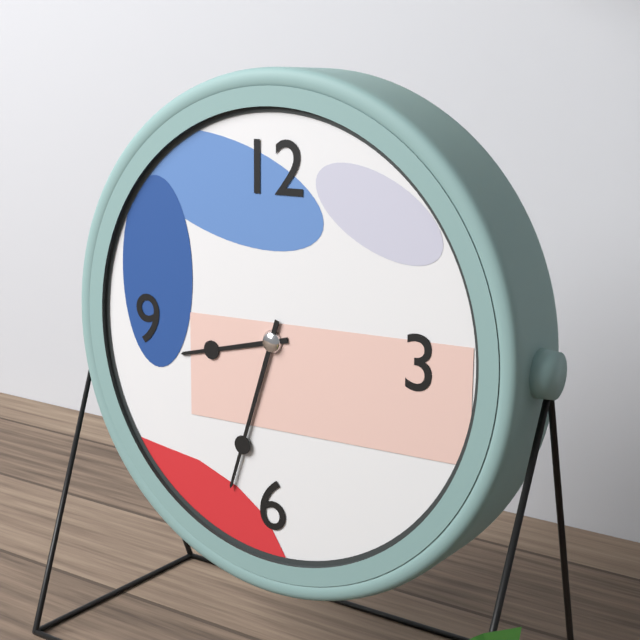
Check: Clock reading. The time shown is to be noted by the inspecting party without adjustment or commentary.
8:33
